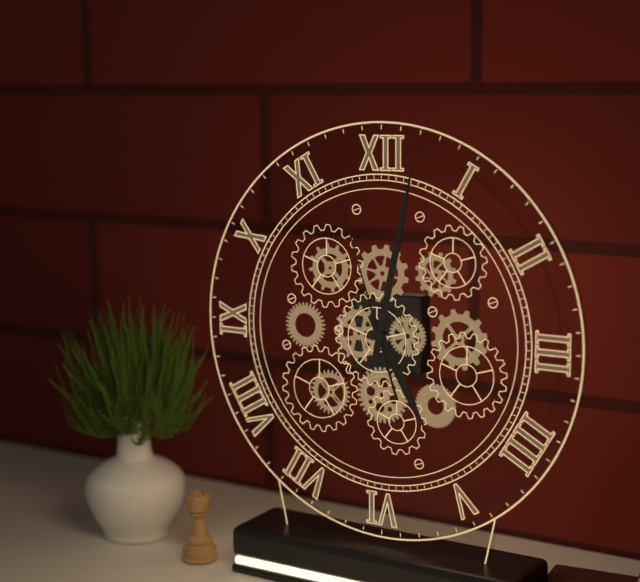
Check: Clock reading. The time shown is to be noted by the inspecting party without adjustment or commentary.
5:02:57
